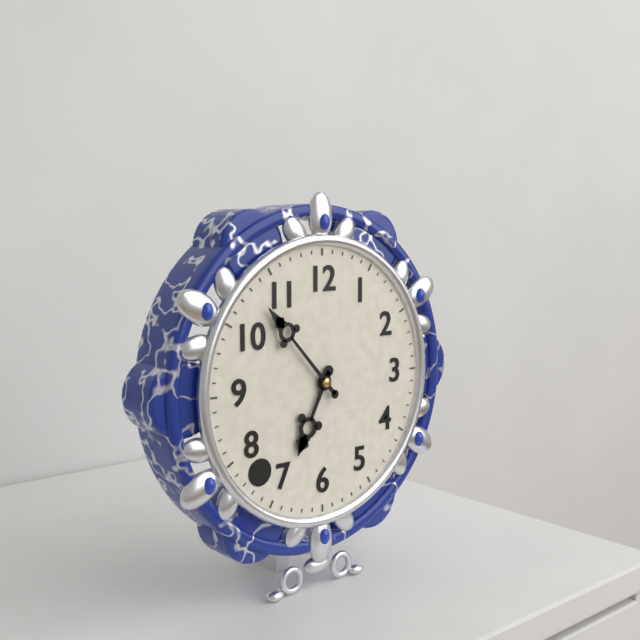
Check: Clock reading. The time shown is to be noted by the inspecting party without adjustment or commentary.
6:53
